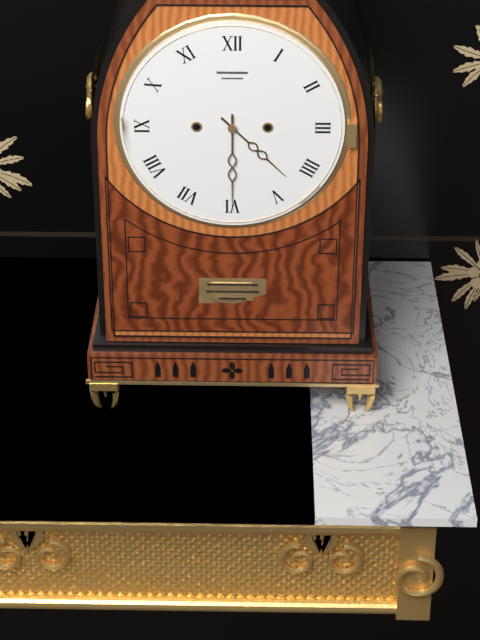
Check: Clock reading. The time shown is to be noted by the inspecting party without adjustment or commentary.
4:30
